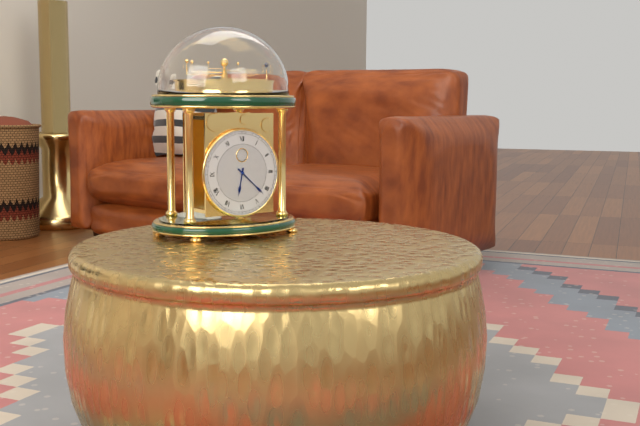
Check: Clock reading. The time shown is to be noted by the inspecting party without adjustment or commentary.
6:22
